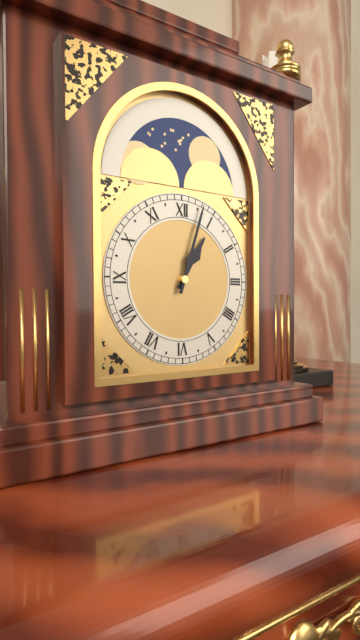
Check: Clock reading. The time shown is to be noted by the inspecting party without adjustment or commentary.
1:03
